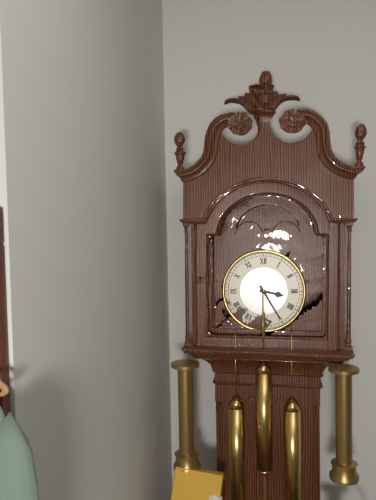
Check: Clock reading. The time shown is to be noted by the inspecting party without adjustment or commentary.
3:25
